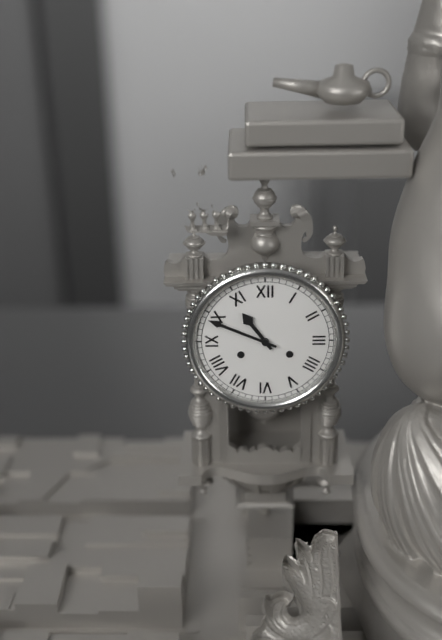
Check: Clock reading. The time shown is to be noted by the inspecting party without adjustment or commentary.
10:49
